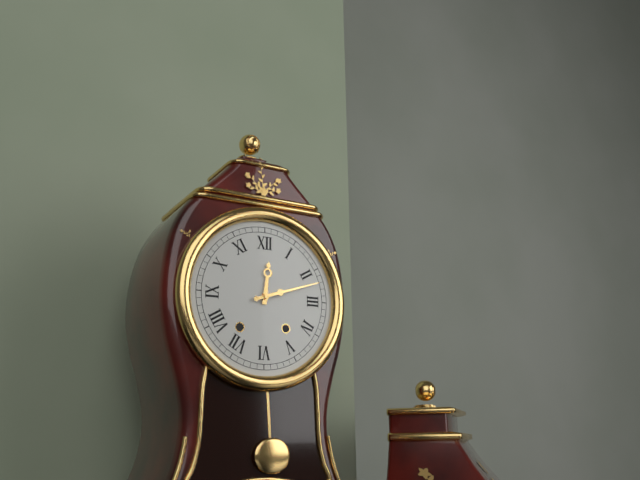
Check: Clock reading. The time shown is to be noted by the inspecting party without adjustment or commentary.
12:12
